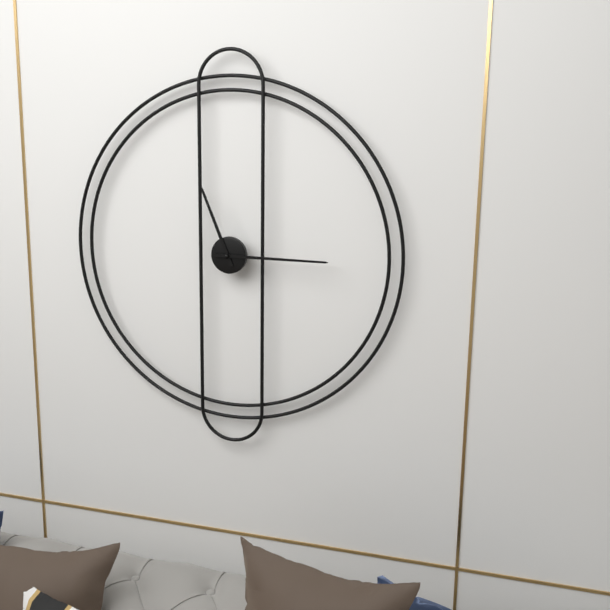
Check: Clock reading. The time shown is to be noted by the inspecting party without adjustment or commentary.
11:15
